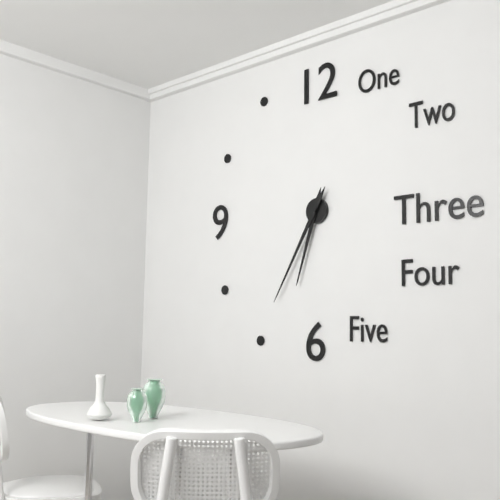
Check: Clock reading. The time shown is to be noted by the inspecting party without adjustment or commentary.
6:35
